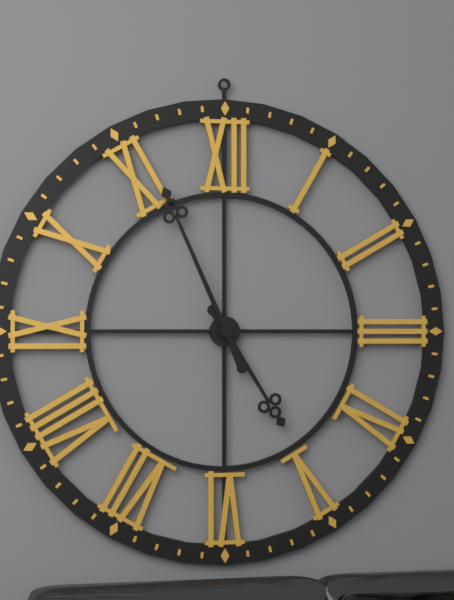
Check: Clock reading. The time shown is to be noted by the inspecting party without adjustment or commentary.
4:56
